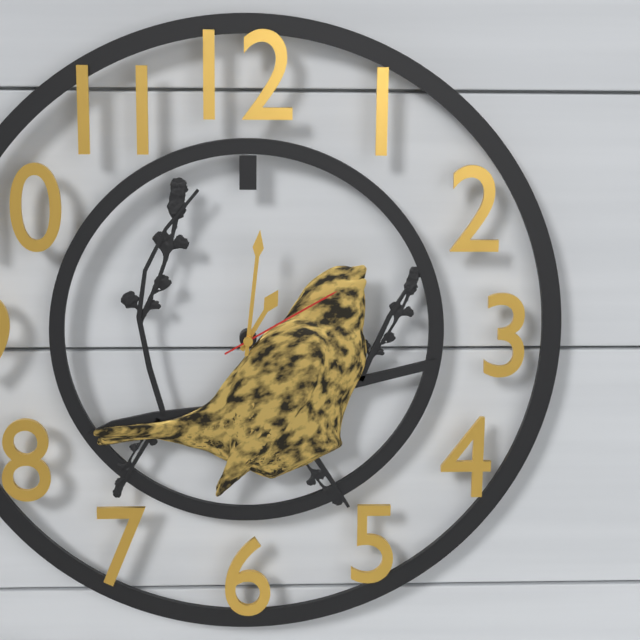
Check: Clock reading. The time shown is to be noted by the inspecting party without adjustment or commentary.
1:01:10
